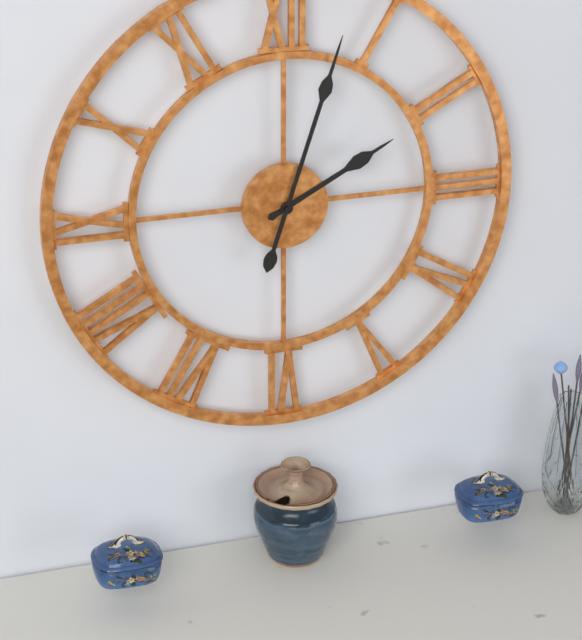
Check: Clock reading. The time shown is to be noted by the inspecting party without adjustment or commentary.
2:03
